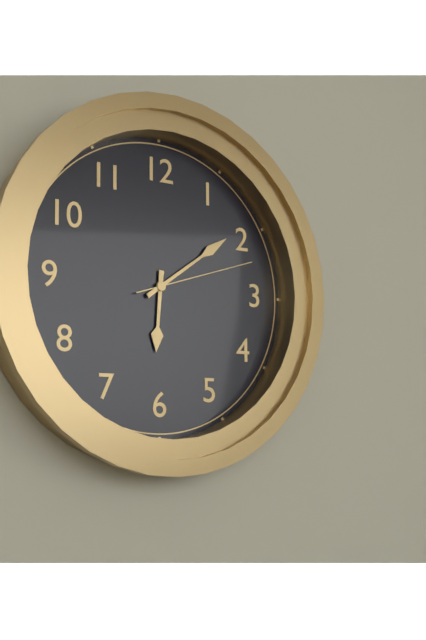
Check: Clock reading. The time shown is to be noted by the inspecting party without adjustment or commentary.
6:09:12
